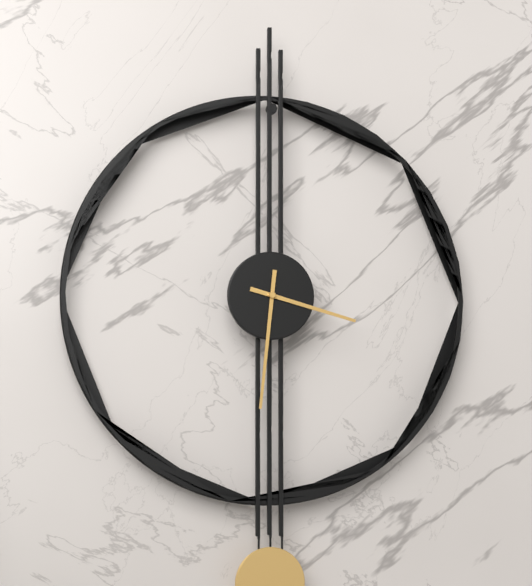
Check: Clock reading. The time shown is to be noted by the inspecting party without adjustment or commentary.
3:31
